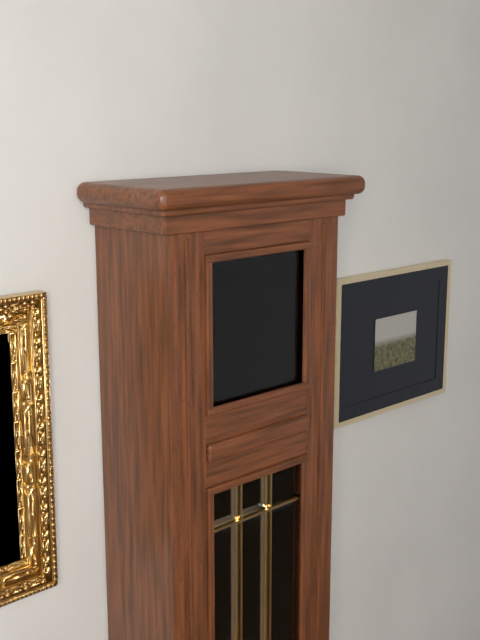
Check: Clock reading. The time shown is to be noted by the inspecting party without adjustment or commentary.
4:07
